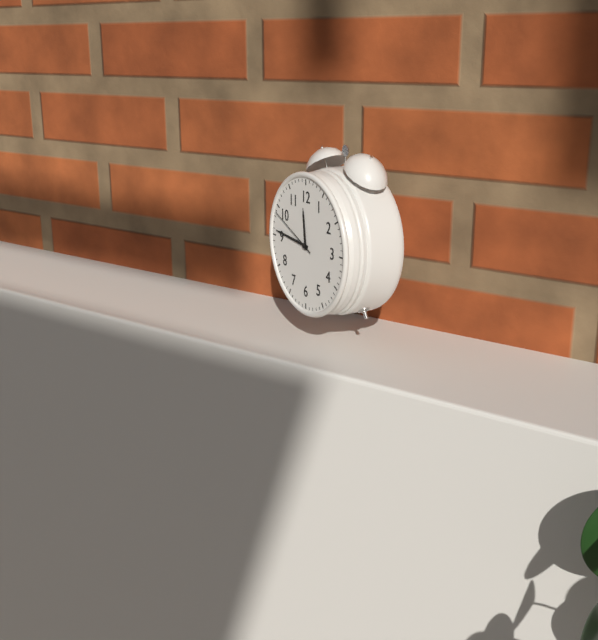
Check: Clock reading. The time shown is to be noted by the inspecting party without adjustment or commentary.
11:46:49
